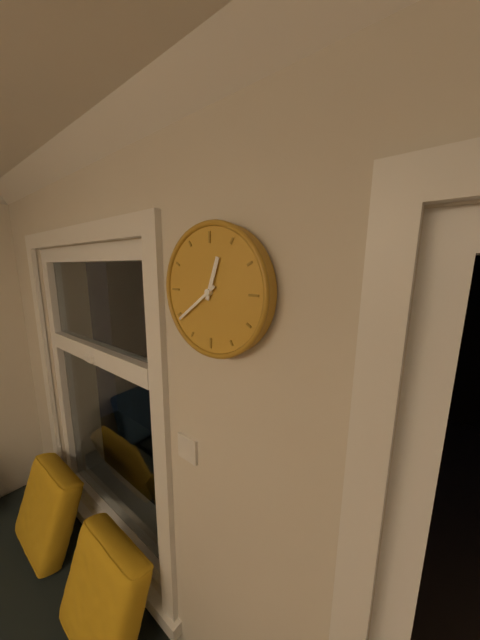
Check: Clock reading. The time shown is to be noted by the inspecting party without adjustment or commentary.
12:39
